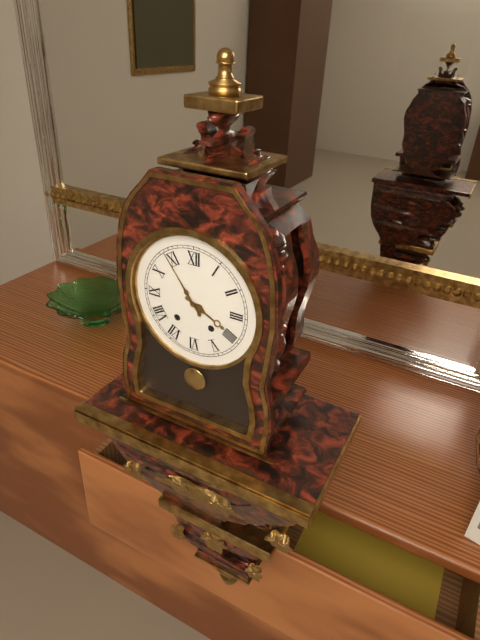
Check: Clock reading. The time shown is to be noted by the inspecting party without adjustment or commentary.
3:54
